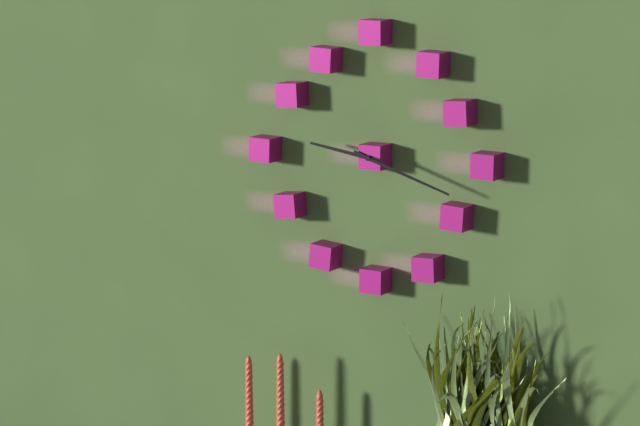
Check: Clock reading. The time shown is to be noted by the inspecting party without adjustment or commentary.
9:18
